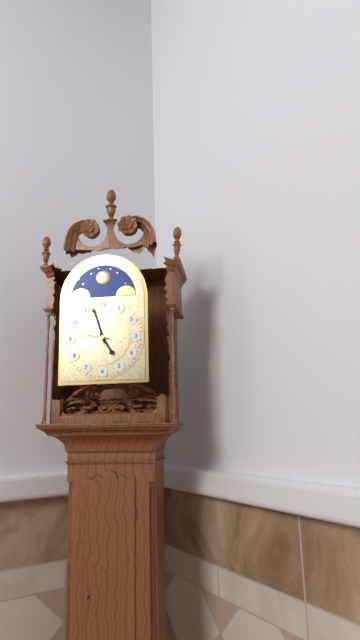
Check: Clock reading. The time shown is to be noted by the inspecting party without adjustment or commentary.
4:57
